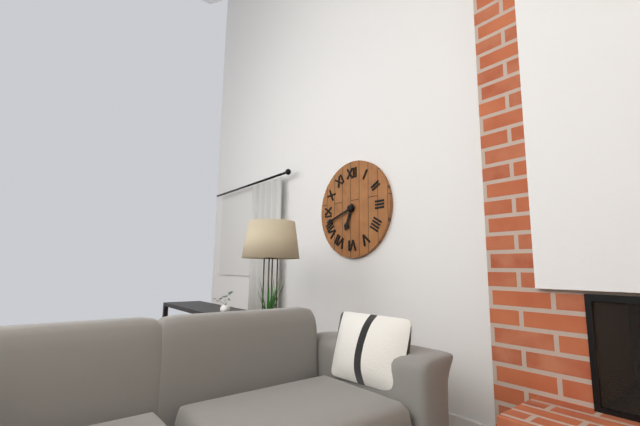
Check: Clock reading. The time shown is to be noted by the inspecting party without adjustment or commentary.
6:42
